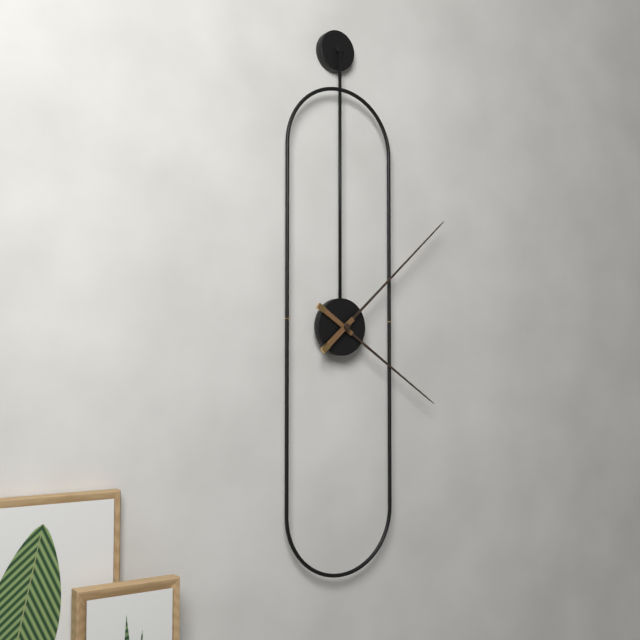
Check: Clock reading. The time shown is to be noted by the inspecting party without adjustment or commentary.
4:08
